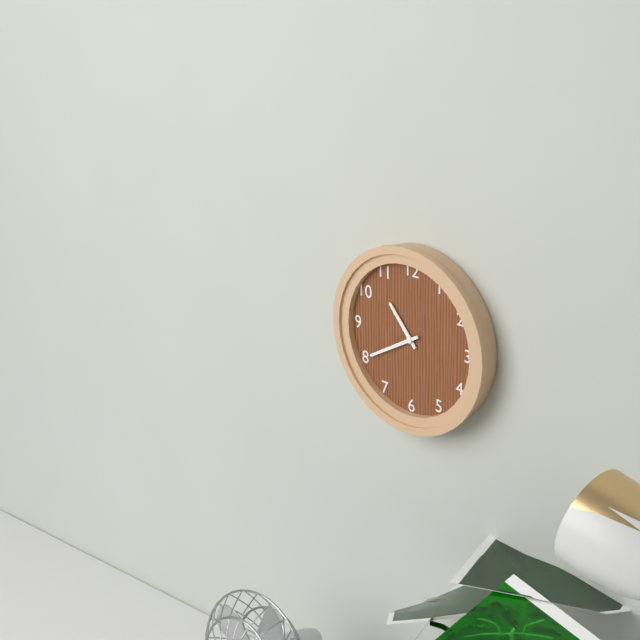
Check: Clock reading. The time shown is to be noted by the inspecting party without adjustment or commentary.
10:40
